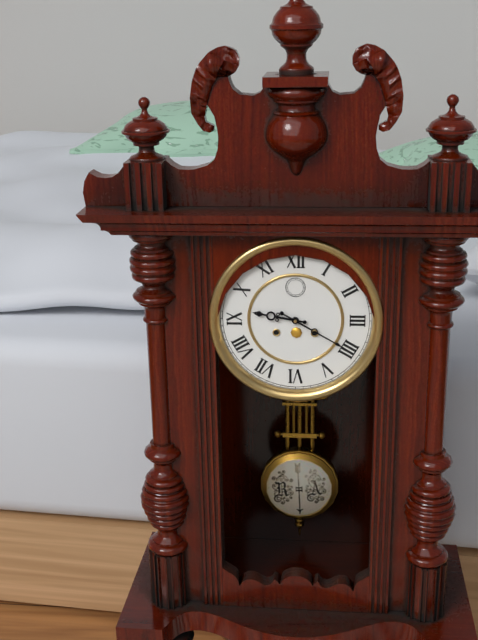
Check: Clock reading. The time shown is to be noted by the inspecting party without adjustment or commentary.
9:20
